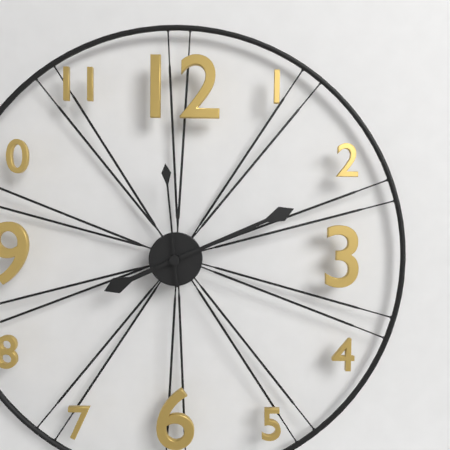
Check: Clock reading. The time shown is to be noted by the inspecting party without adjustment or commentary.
8:11:59
